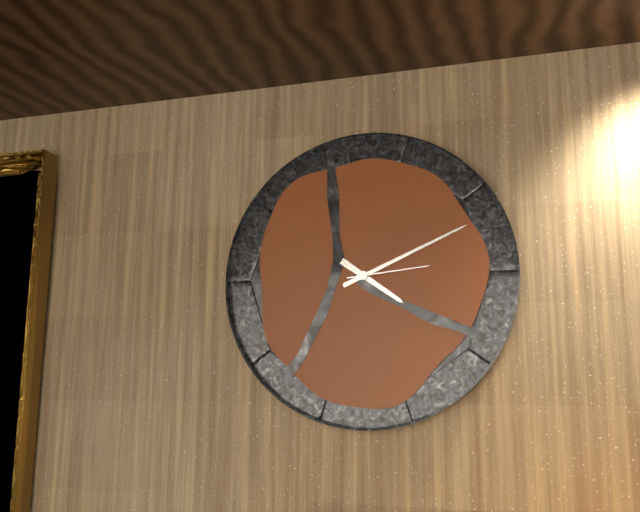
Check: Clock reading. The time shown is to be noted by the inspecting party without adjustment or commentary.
4:11:14
